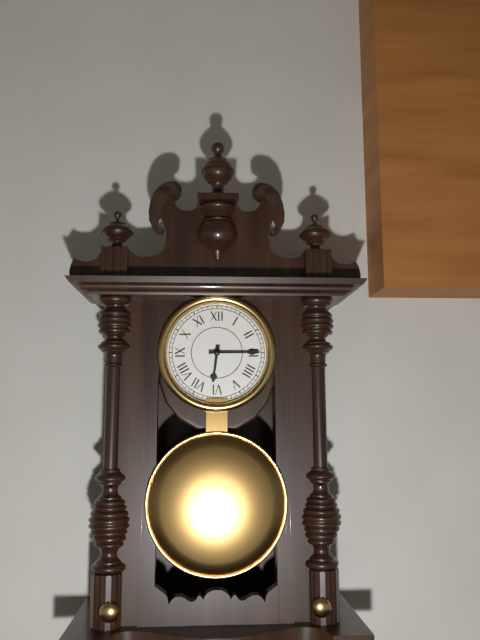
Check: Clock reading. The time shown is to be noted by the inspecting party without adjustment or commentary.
6:15
